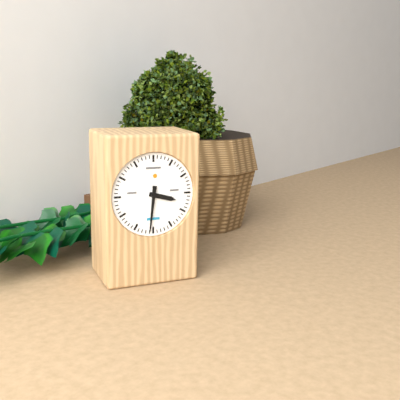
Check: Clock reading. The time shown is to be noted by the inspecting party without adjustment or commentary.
3:31
